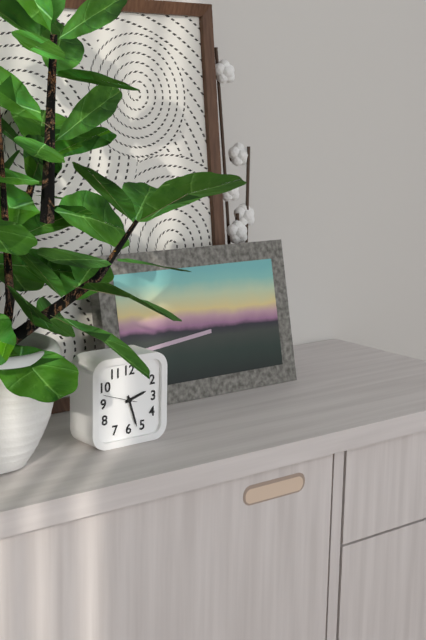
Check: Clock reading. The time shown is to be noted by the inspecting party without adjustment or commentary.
2:27
